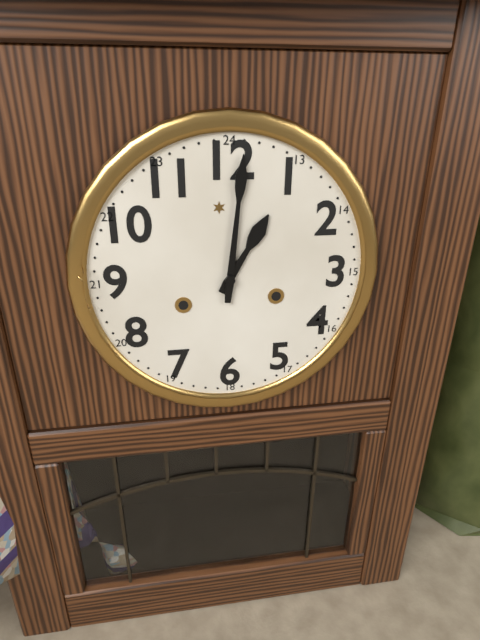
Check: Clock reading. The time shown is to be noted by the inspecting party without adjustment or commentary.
1:01
